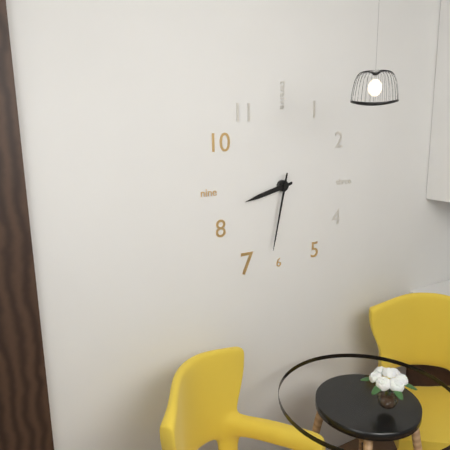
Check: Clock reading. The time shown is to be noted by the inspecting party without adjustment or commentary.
8:32
